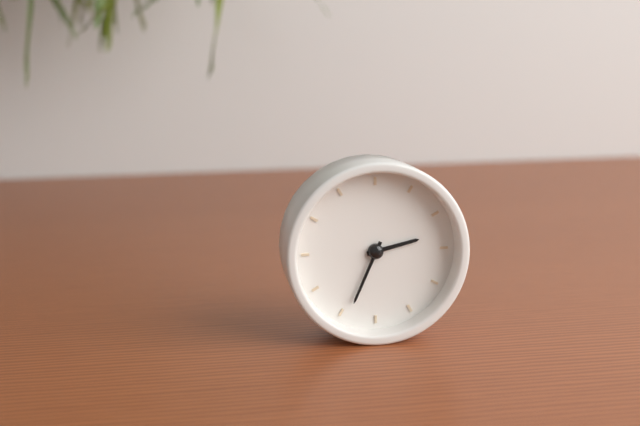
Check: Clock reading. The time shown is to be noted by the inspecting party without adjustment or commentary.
2:34
